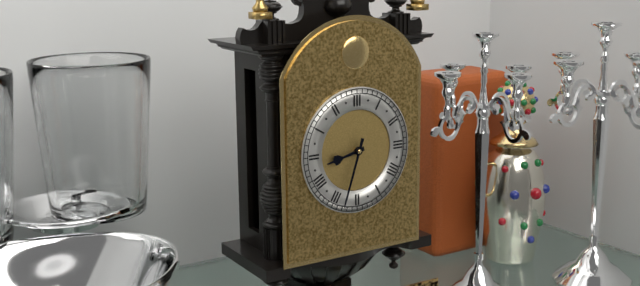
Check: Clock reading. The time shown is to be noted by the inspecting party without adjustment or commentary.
8:33
